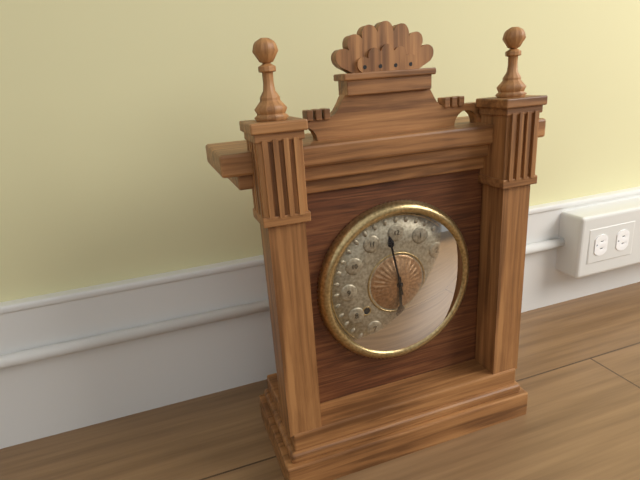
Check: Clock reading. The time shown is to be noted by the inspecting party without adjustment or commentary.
5:58
